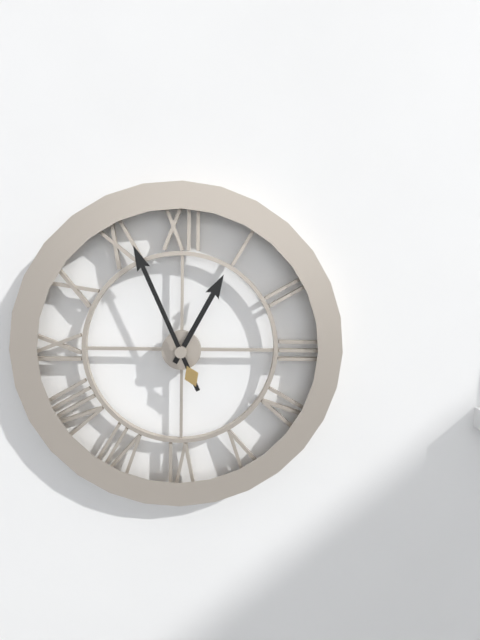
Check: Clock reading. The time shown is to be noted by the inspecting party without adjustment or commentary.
12:56
